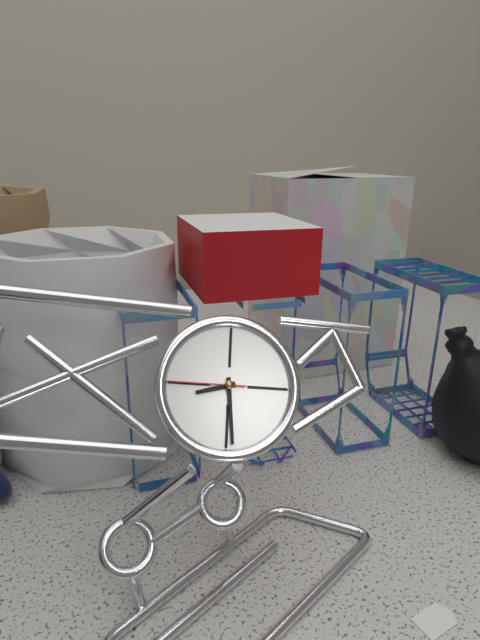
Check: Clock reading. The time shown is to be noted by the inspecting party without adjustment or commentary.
8:29:45
